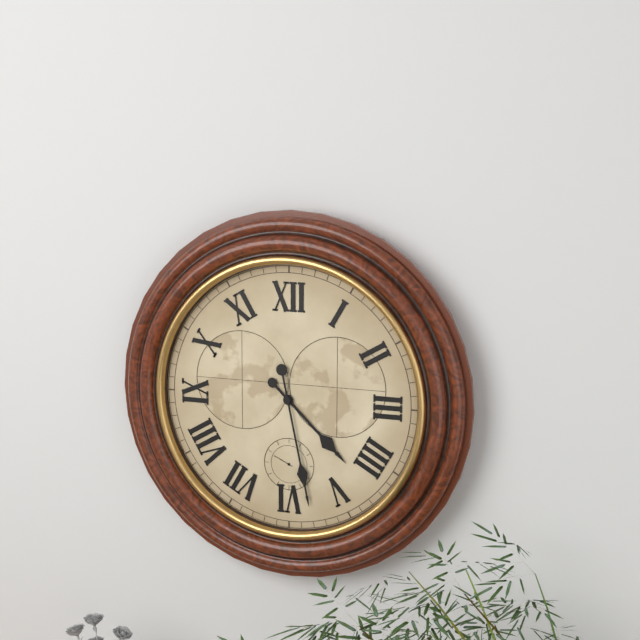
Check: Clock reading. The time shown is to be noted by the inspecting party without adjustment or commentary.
4:28
